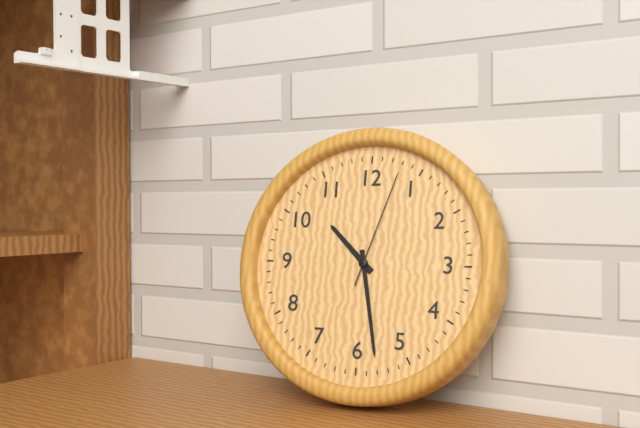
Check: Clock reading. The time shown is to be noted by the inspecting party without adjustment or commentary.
10:28:03
